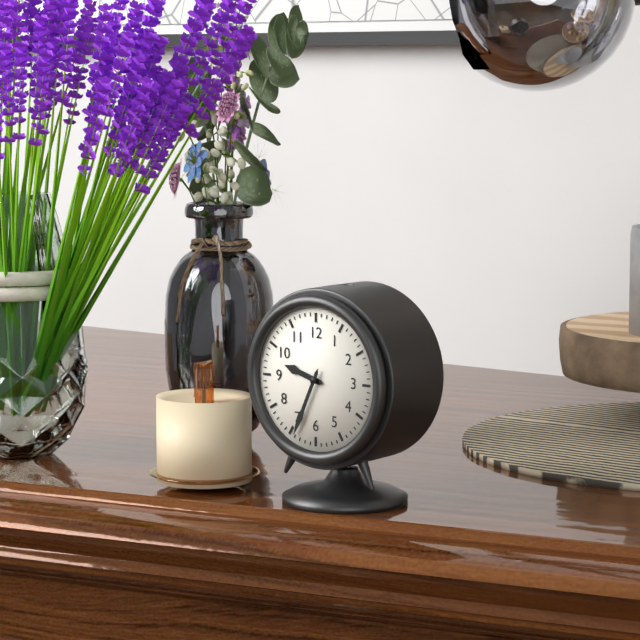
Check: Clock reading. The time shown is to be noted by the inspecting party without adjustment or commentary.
9:34
